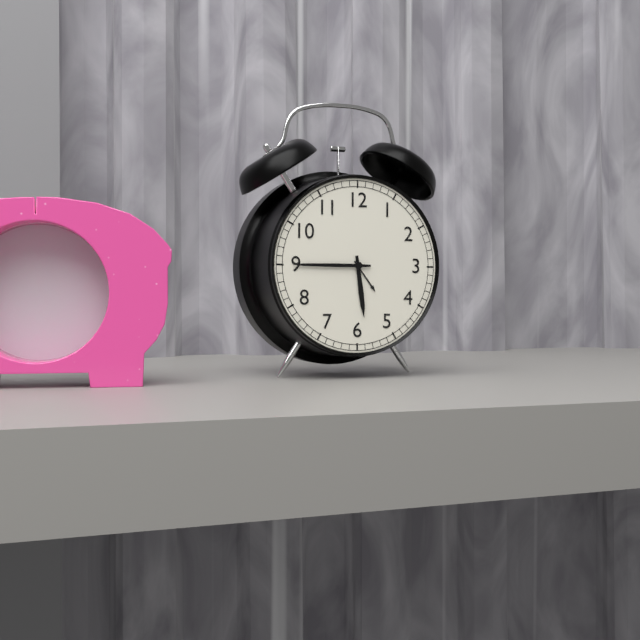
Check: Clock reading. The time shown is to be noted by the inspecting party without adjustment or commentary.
5:45
